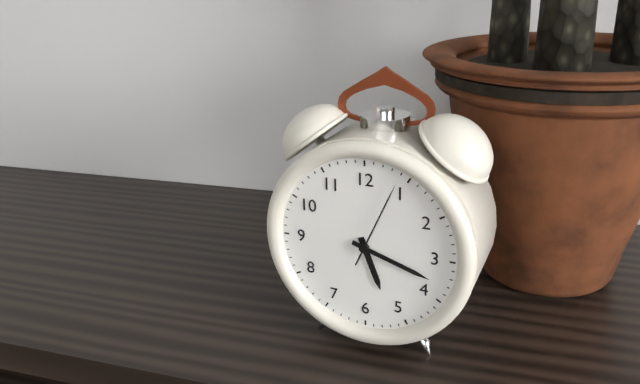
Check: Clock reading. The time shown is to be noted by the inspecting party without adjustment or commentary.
5:18:04
